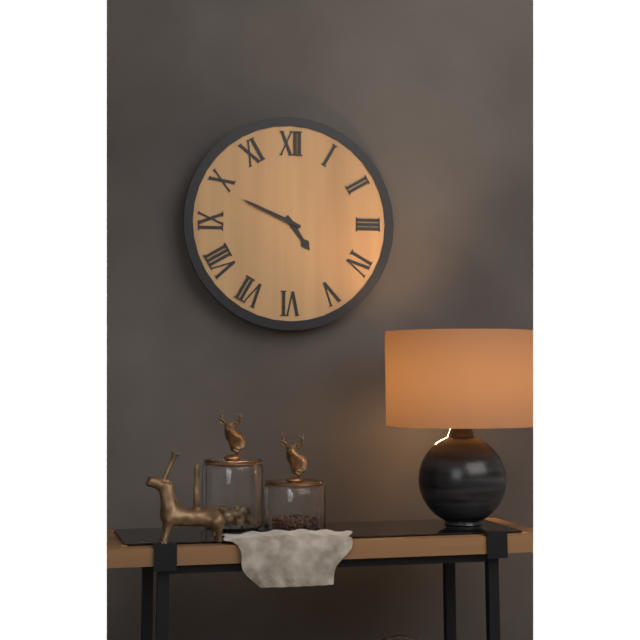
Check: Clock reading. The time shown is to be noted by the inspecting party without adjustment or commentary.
4:49
